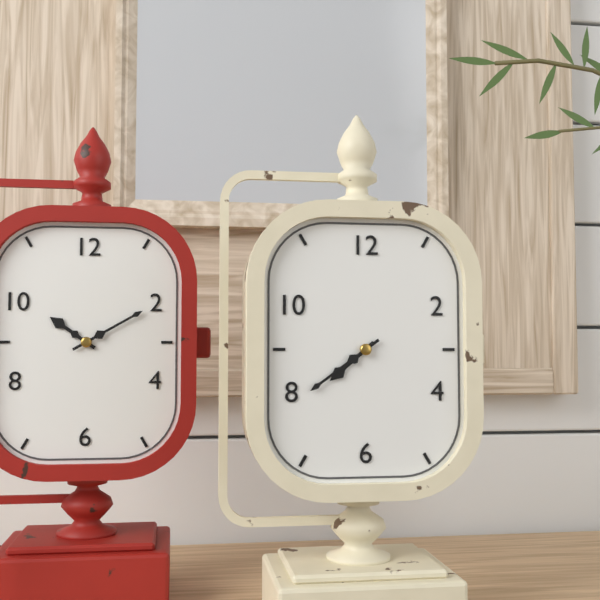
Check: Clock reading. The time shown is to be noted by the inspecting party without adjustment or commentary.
7:39
